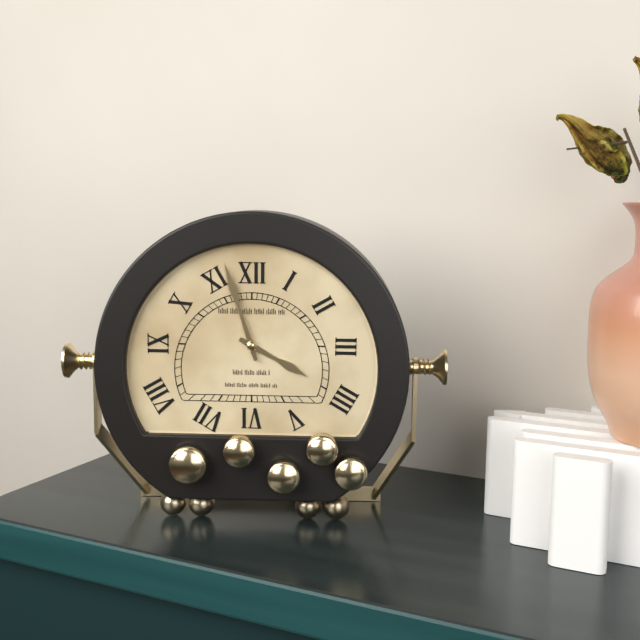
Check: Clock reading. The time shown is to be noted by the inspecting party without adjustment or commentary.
3:57
